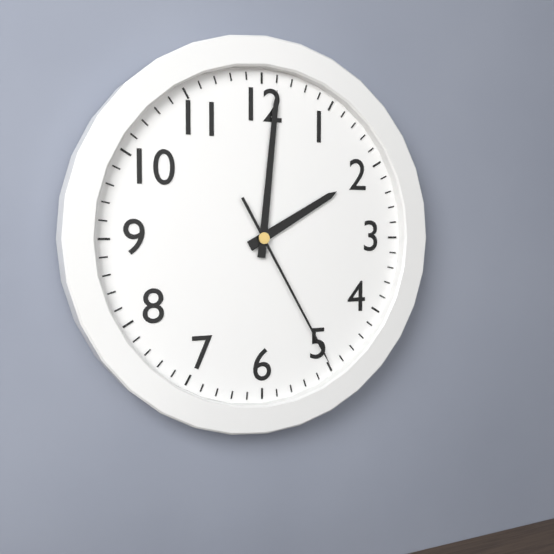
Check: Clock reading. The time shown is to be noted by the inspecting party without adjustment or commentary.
2:01:25
